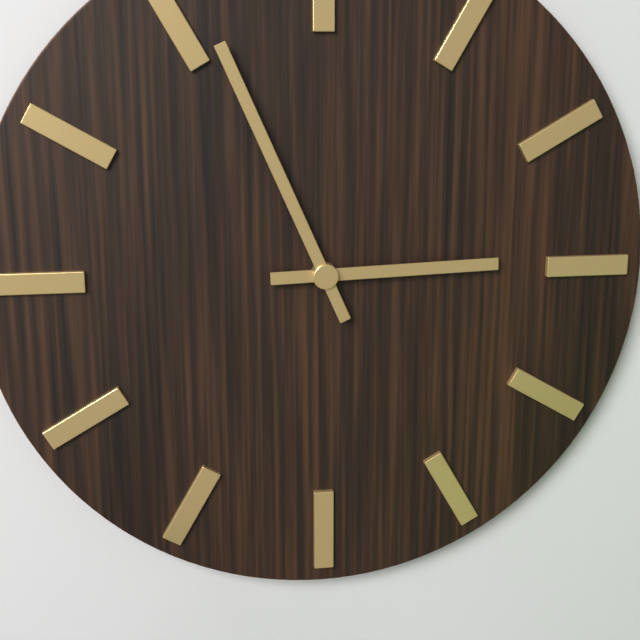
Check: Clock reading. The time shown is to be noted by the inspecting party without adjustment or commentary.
2:56
